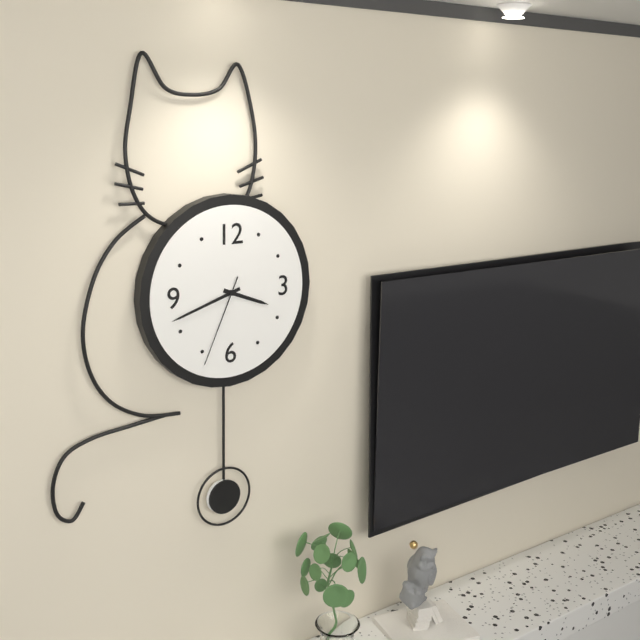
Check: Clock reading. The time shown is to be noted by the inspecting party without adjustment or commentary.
3:42:34
